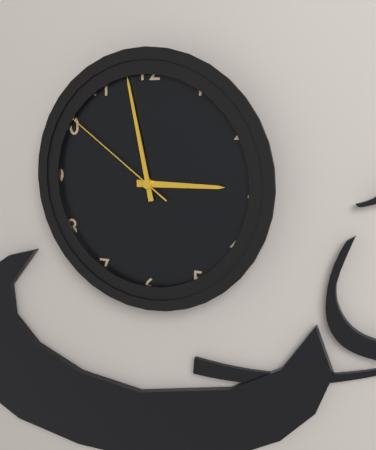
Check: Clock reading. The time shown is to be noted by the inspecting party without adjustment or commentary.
2:58:51
